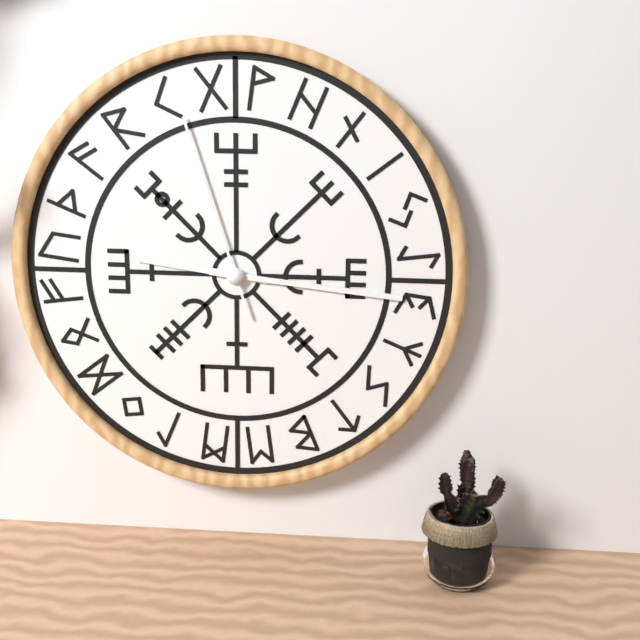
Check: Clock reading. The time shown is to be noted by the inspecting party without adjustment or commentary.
9:16:57
